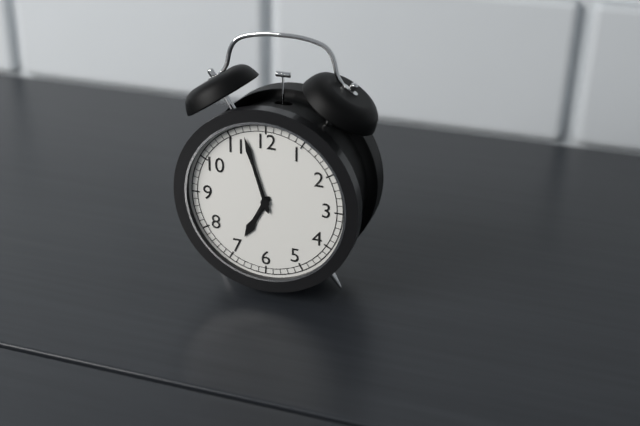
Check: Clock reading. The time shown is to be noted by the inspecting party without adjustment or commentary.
6:57
